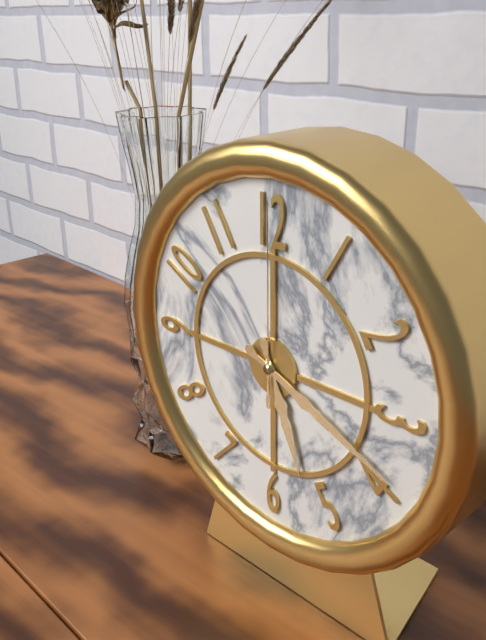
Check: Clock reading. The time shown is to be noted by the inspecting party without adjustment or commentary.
5:19:00
